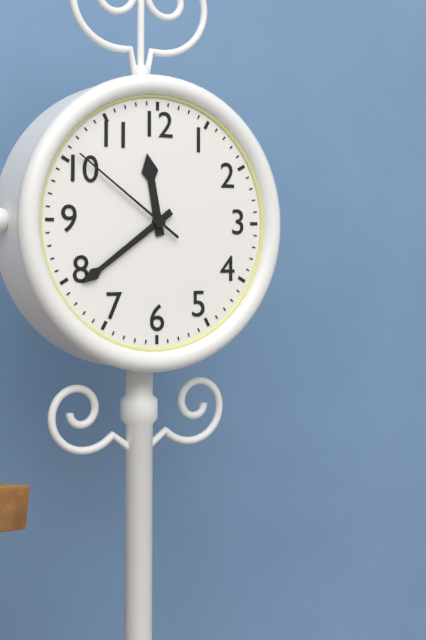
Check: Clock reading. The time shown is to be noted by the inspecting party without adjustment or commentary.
11:39:51
